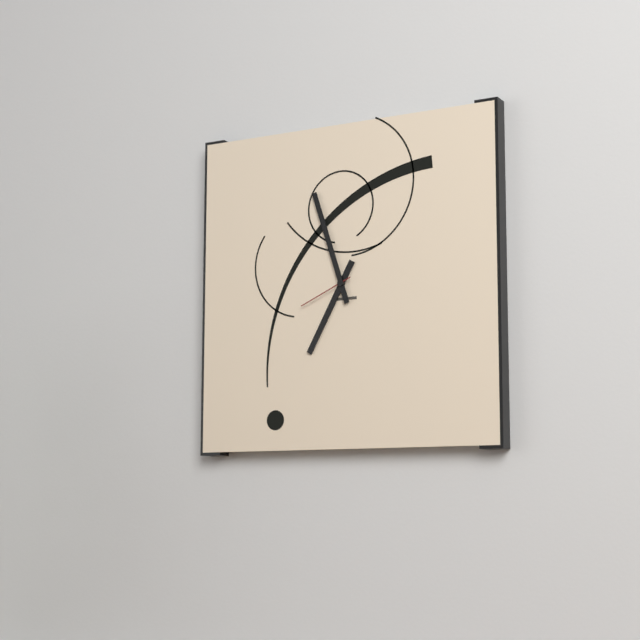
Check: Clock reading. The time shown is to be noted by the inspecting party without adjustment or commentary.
6:57:41
